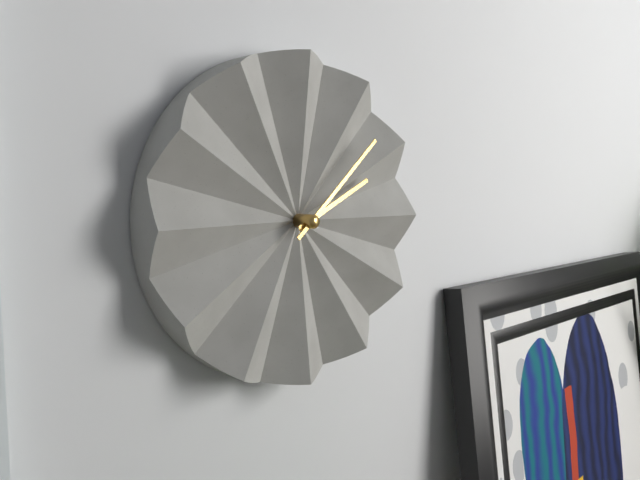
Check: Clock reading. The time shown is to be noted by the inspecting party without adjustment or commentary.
2:08
